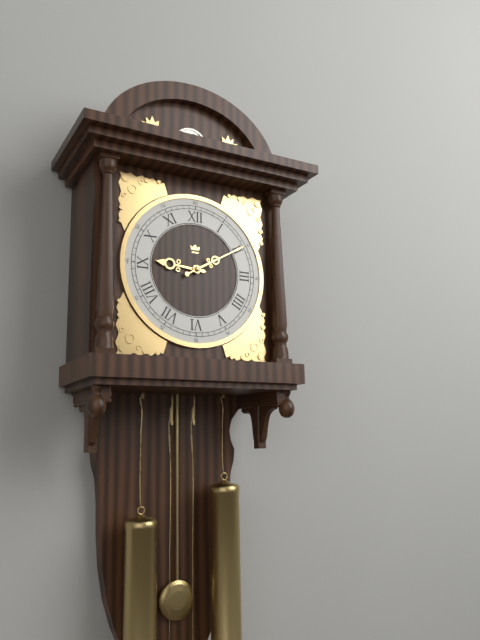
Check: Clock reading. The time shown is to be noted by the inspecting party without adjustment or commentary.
9:10
